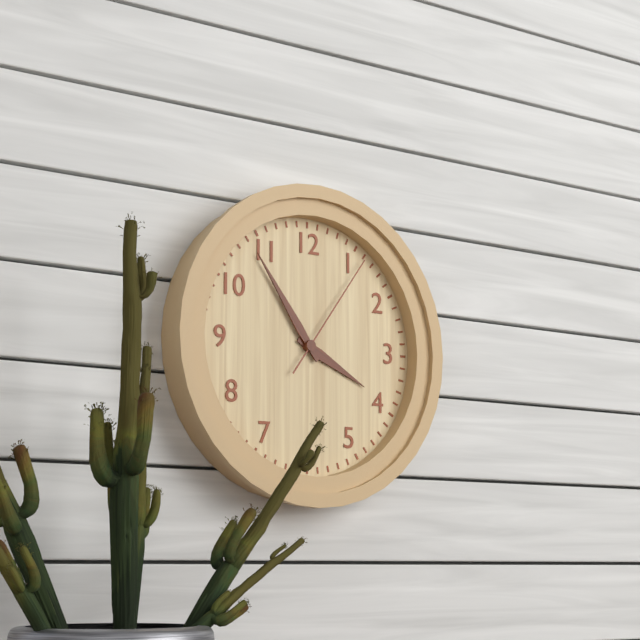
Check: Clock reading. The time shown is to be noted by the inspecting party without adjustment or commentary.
3:54:06
